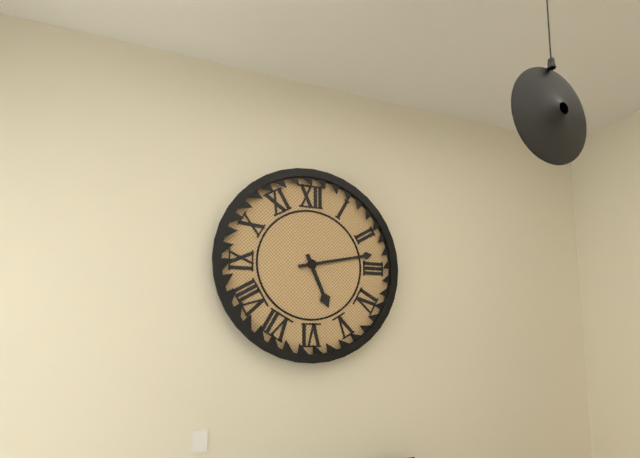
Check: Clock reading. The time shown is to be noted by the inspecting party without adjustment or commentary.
5:13
